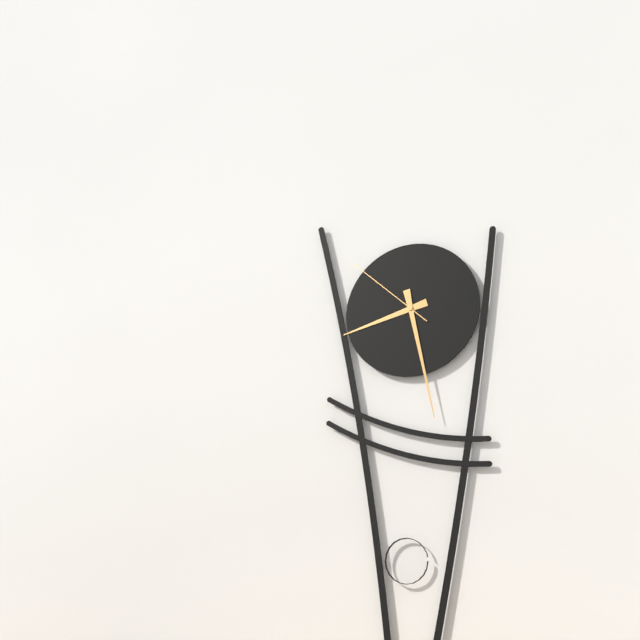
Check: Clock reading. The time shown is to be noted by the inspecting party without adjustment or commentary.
8:28:52
